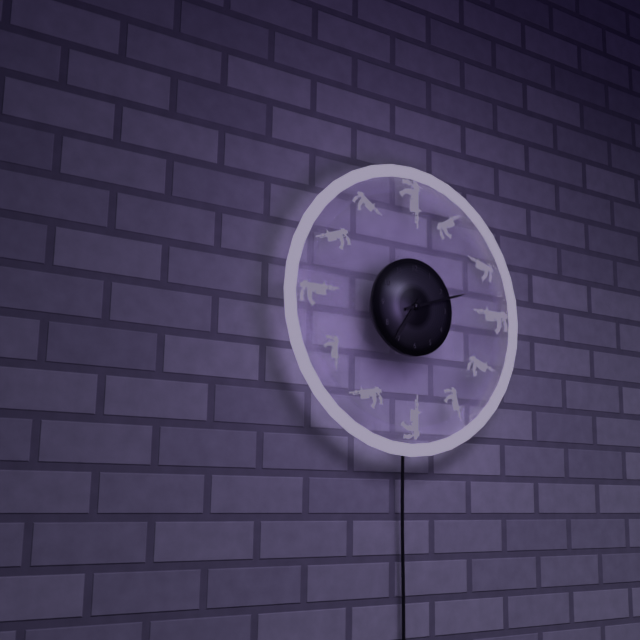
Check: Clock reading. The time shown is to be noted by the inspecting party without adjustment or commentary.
7:12
